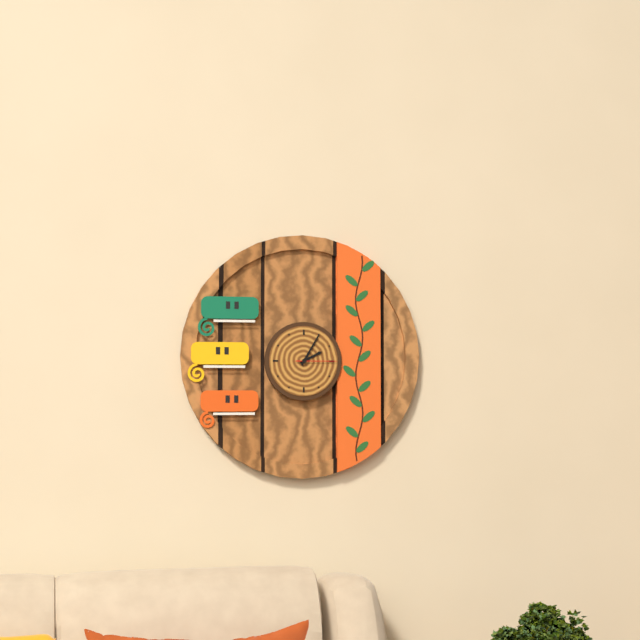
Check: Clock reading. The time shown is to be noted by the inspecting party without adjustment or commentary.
2:05
